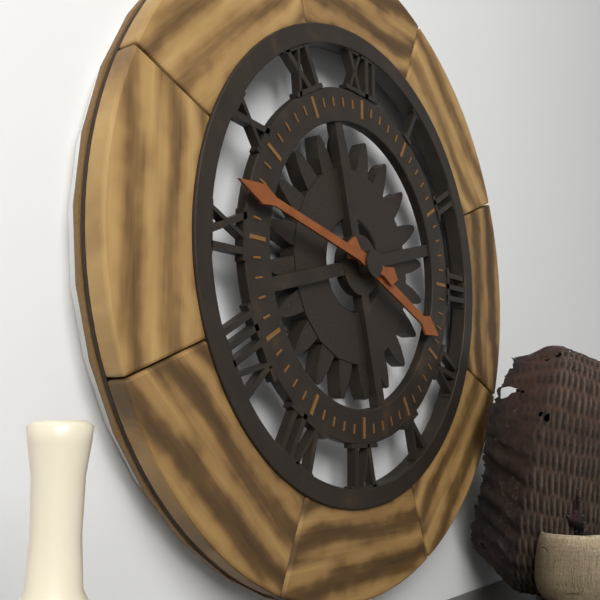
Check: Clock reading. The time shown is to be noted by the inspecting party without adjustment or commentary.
3:47
